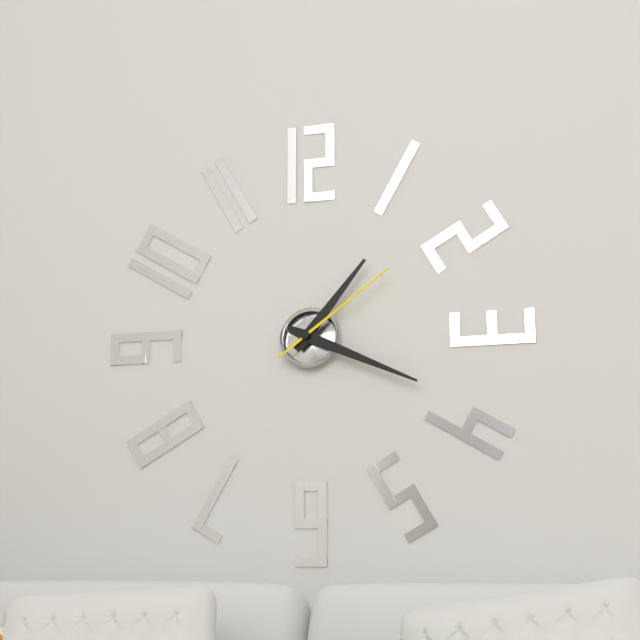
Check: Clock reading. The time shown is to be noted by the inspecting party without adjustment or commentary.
1:19:09
